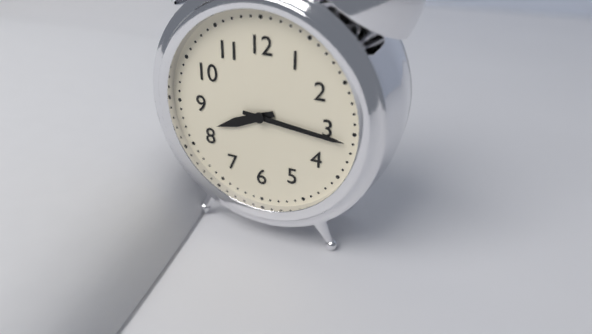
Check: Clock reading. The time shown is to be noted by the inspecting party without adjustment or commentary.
8:16
